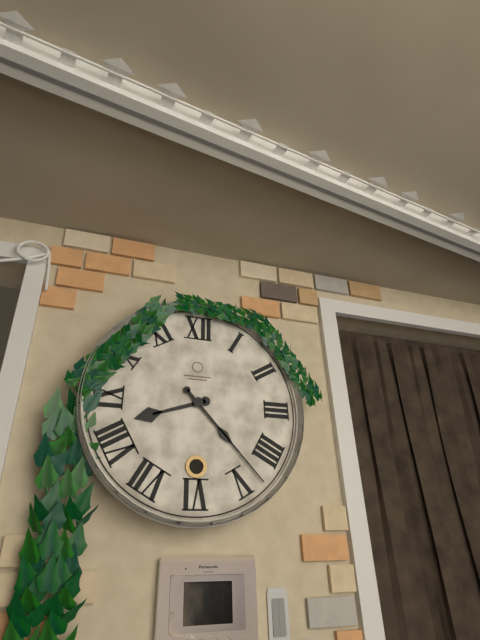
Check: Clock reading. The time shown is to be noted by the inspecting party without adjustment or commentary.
8:23
